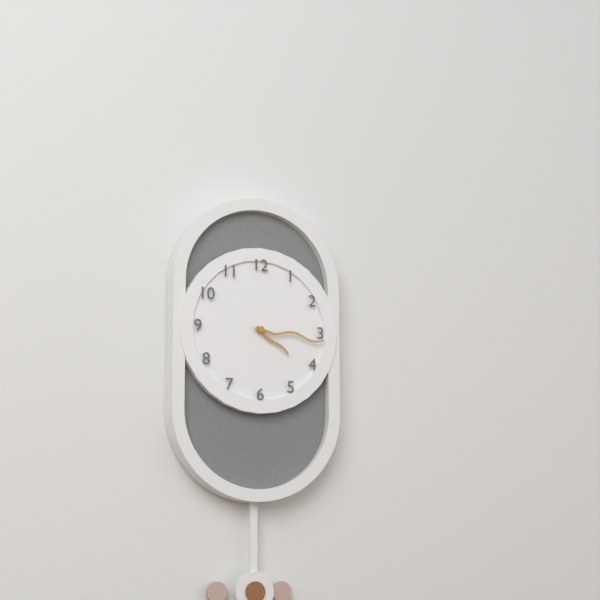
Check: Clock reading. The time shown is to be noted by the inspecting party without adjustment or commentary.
4:16
